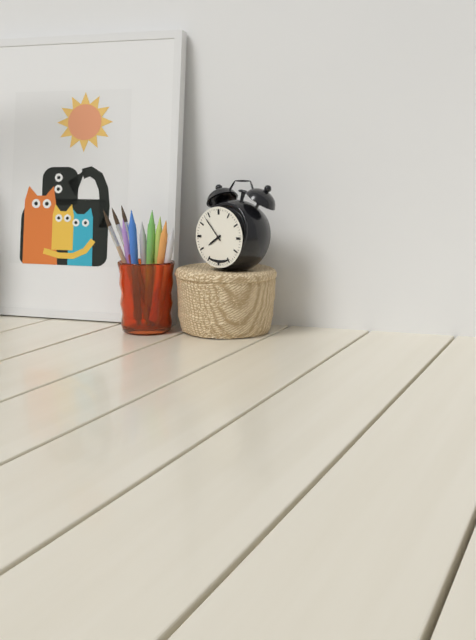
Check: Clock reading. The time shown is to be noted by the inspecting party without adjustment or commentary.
7:53
